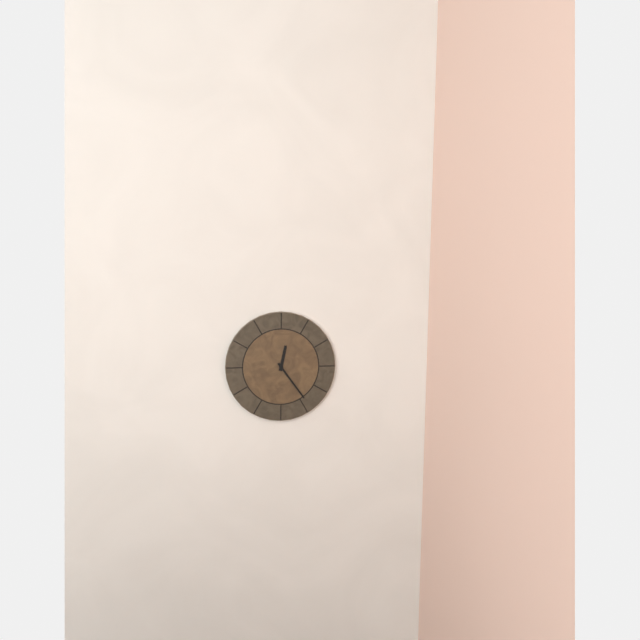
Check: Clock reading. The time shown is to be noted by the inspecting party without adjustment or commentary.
12:24
